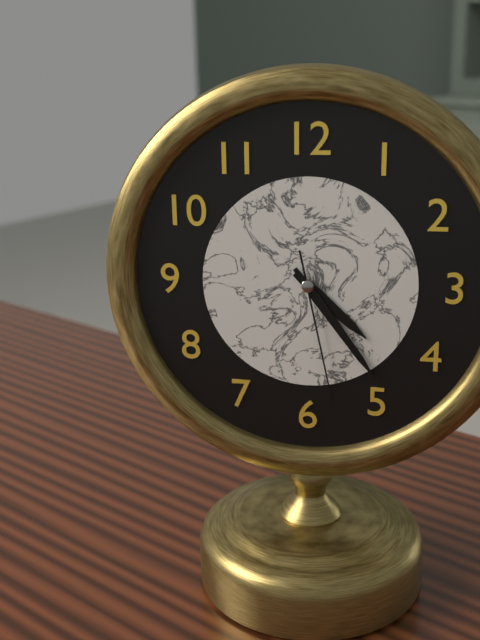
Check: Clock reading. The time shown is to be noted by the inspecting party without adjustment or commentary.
4:24:28
